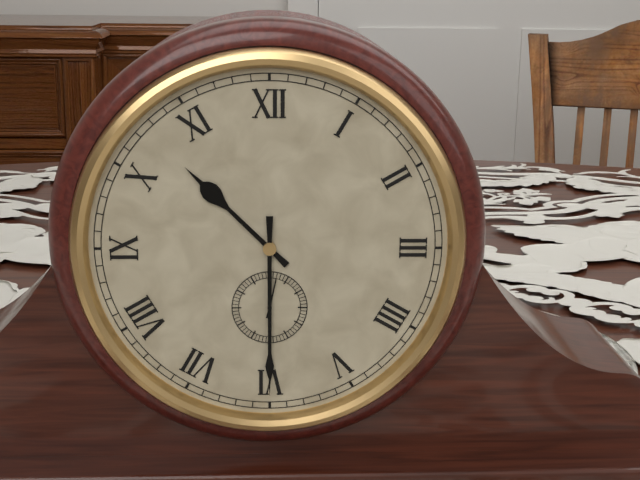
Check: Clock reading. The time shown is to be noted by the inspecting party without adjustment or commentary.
10:30
